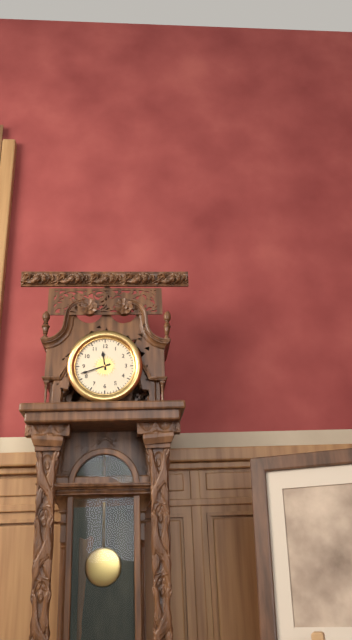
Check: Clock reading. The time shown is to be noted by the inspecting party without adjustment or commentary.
11:42
